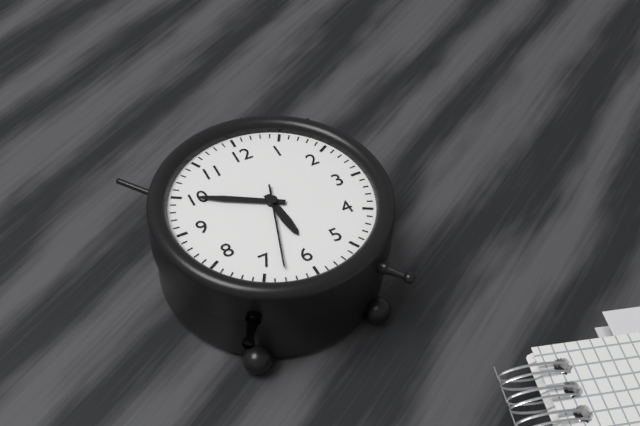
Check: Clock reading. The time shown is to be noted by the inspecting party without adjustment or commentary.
5:50:33
